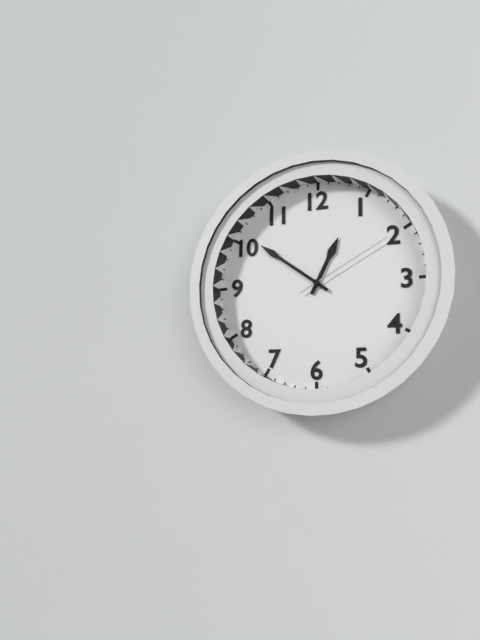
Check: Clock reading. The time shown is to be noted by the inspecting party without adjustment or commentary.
12:51:10
